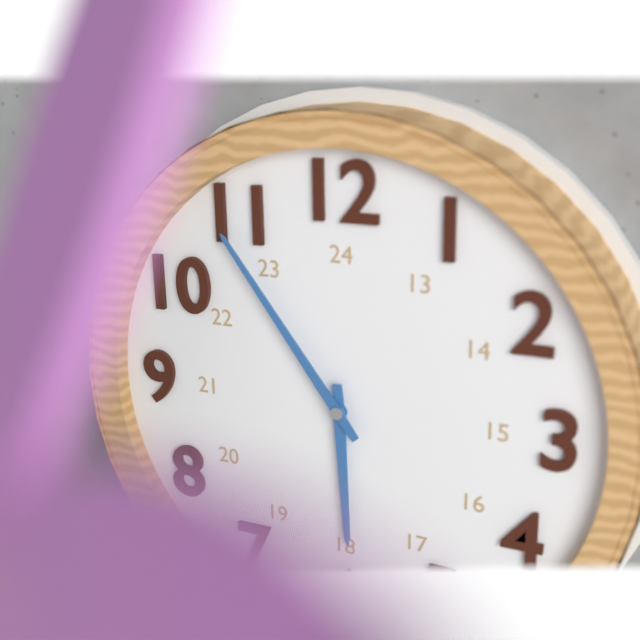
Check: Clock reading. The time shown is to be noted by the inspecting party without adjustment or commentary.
5:54
